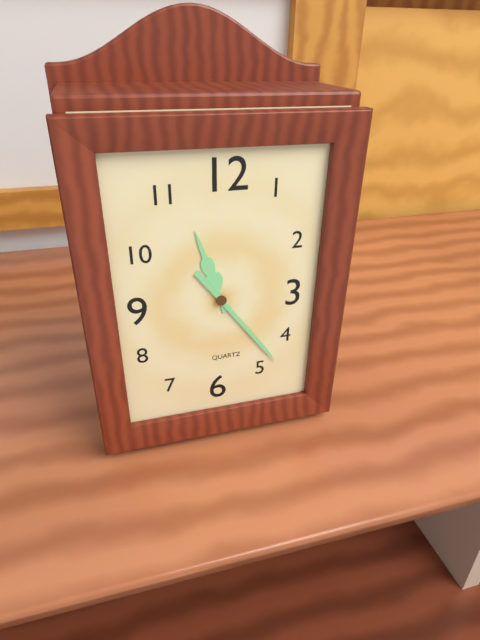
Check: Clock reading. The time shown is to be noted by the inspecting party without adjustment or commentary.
11:24
